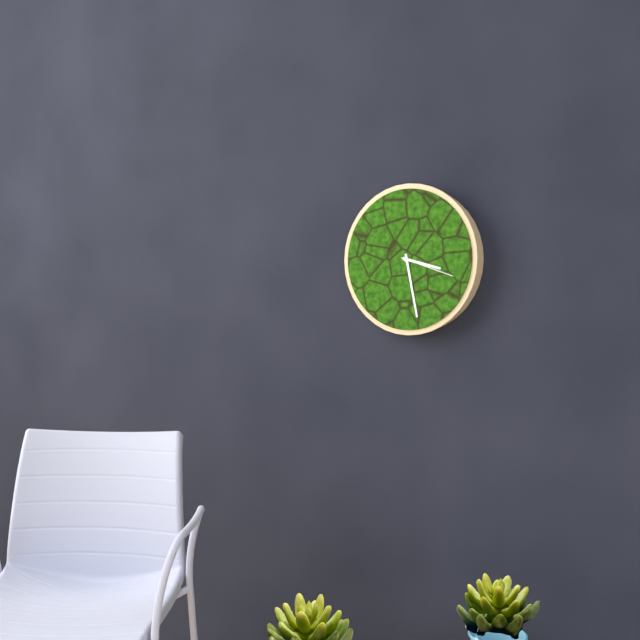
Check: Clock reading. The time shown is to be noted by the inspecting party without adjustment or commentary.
3:28:18
